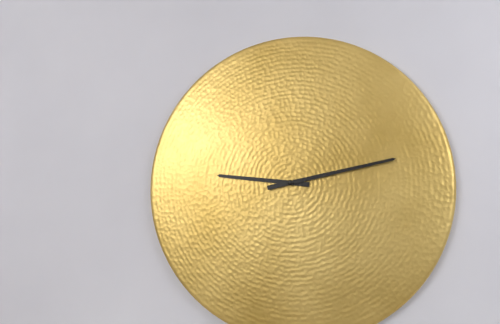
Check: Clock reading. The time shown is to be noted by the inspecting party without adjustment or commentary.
9:13
